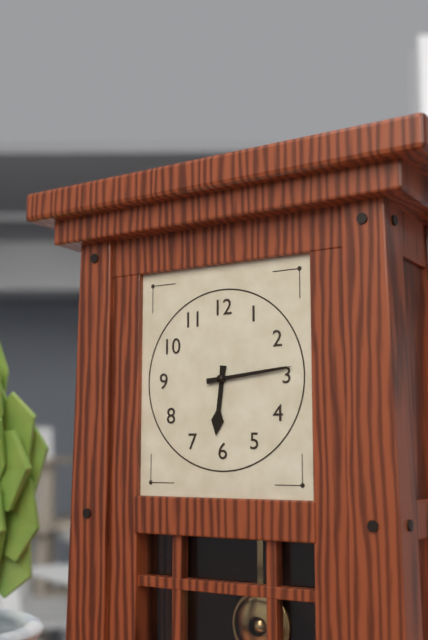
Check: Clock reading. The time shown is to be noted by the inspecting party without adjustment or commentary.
6:14
